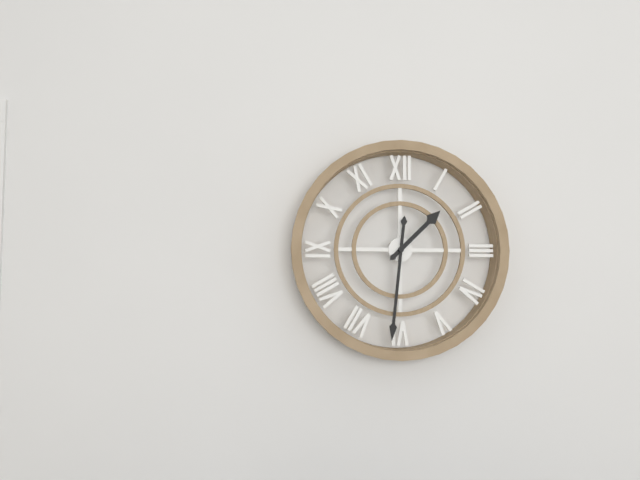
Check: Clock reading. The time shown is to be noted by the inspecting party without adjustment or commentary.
1:31
